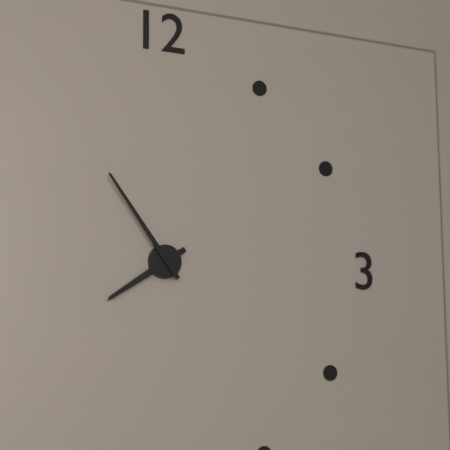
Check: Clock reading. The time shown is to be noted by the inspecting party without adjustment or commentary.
7:54
